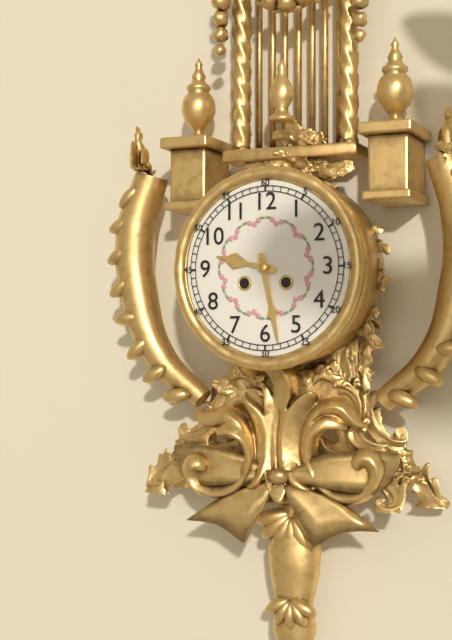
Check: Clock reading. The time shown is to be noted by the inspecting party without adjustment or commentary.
9:28
